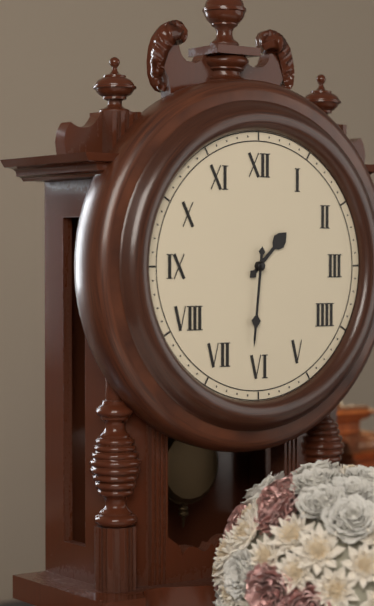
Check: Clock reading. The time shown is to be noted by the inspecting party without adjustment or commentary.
1:31
